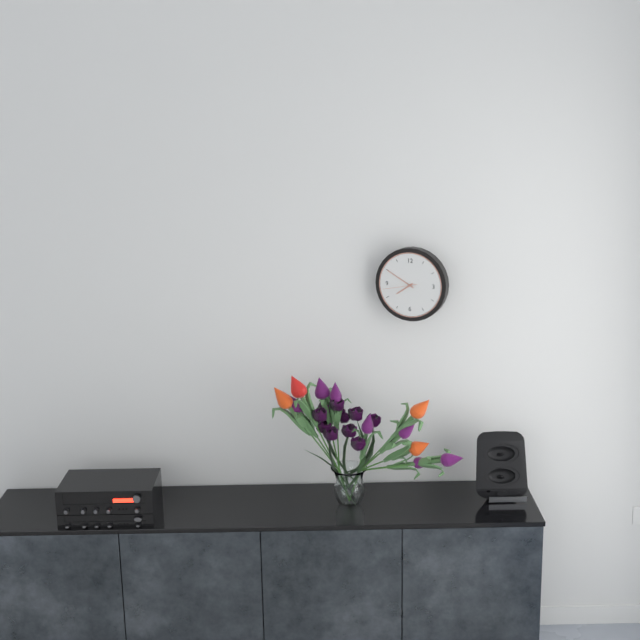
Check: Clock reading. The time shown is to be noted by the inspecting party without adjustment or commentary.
7:50
